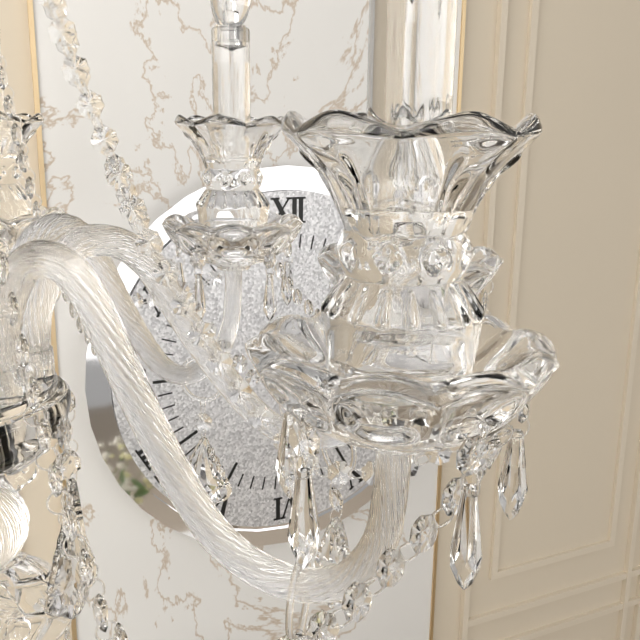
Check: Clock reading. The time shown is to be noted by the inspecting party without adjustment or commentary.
2:09
